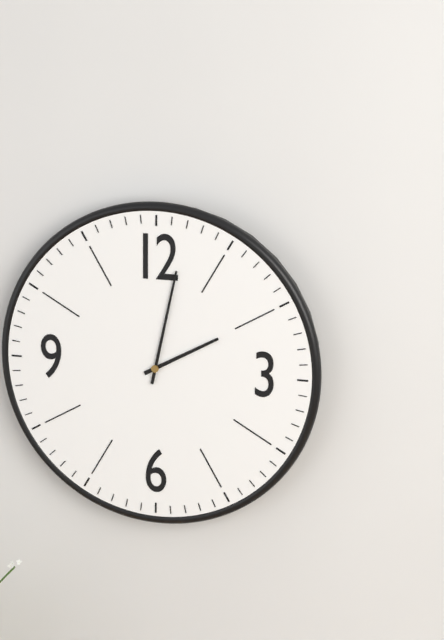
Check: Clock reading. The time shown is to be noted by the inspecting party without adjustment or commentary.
2:02
